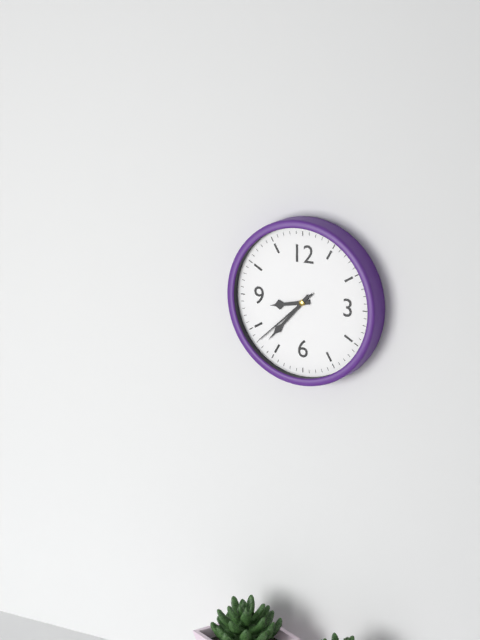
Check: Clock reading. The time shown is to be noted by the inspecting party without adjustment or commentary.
8:37:38
